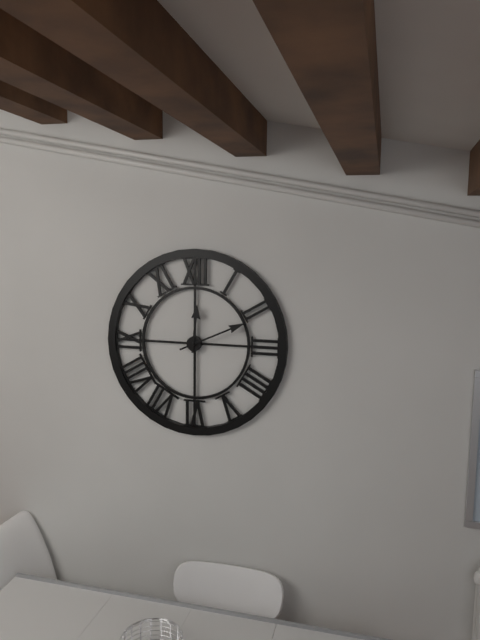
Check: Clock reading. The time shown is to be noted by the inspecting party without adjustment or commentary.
12:11
